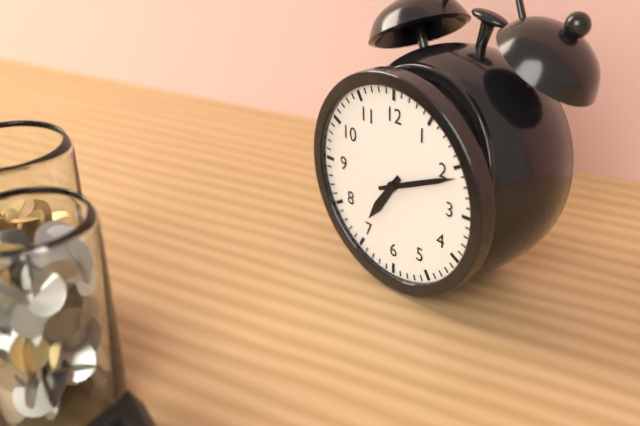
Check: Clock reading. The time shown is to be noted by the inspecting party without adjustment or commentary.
7:11
